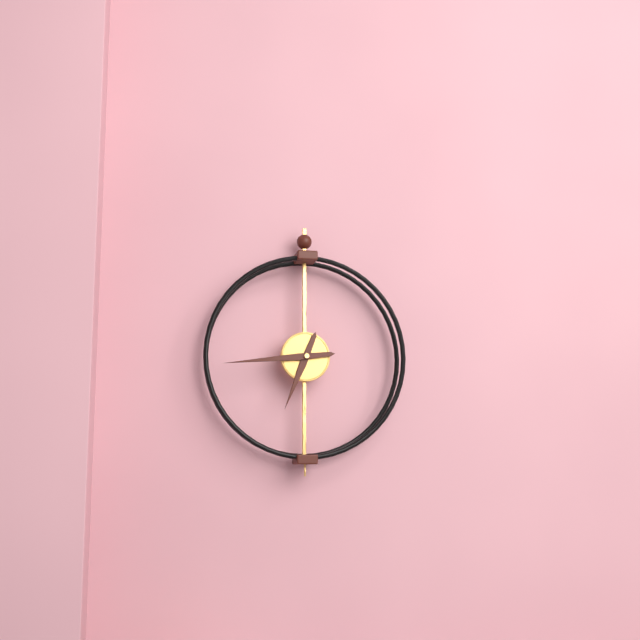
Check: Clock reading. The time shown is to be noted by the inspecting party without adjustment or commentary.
6:44
